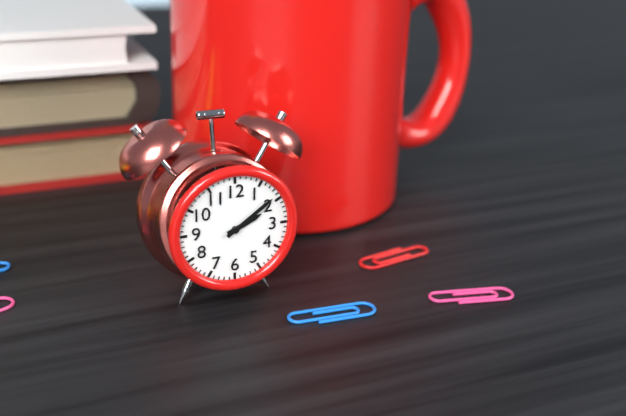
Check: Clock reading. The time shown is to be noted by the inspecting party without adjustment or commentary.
2:09
